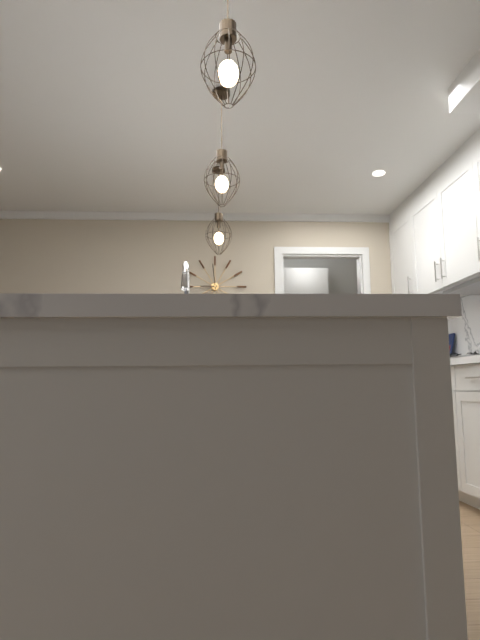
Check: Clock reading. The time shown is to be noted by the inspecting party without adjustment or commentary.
8:59
